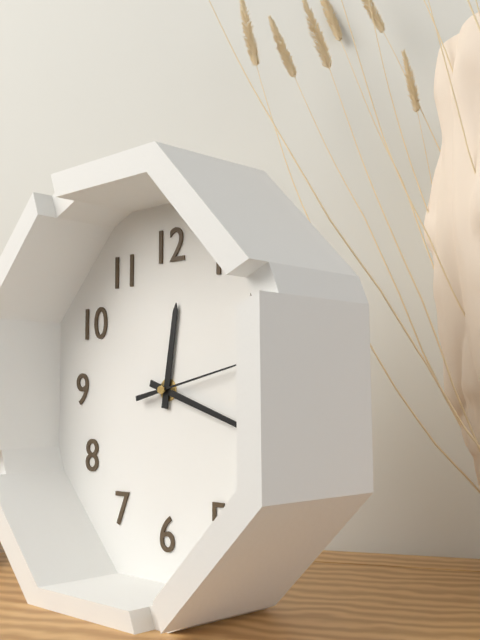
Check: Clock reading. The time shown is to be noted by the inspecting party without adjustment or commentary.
12:18:13
